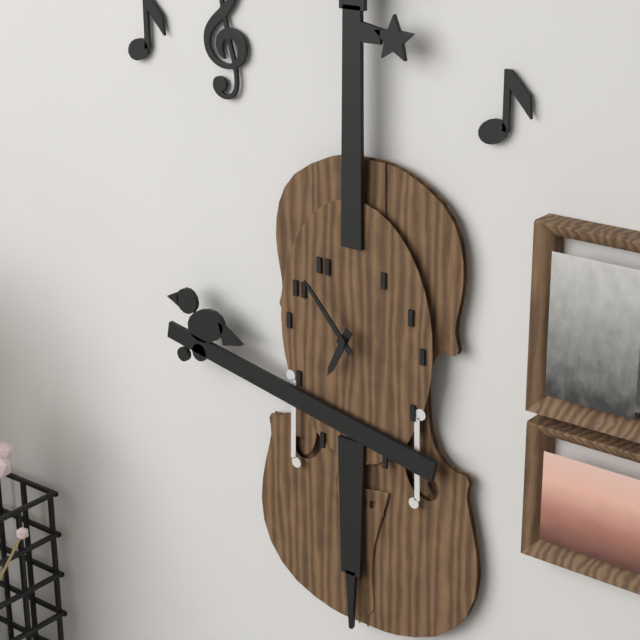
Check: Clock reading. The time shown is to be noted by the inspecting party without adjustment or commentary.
6:53
